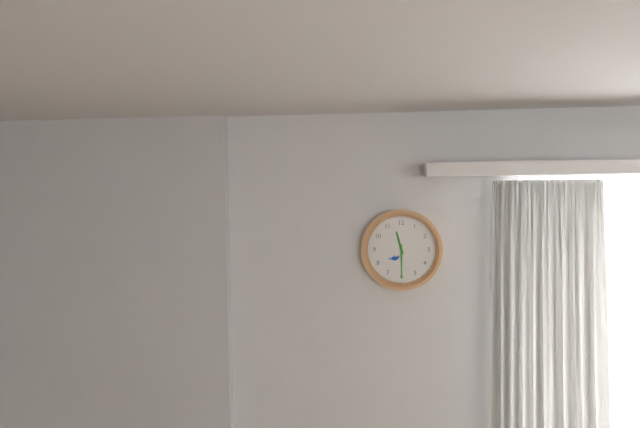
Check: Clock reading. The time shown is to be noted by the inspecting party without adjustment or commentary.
11:30
